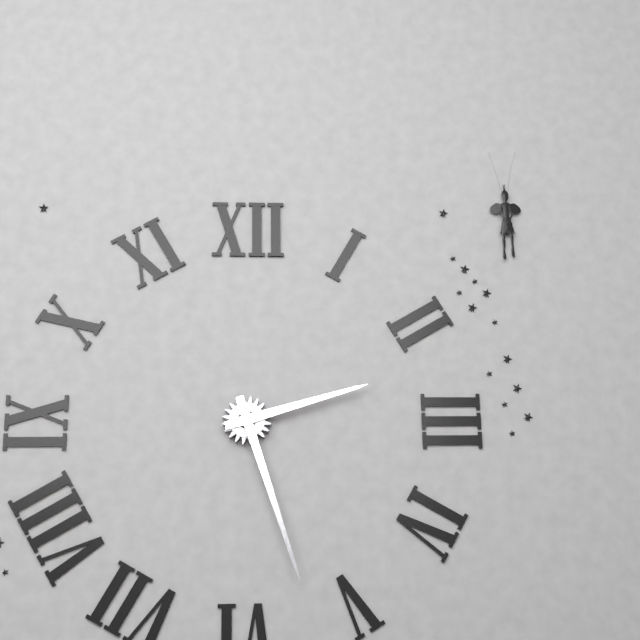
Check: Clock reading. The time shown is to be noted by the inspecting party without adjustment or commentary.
2:27
